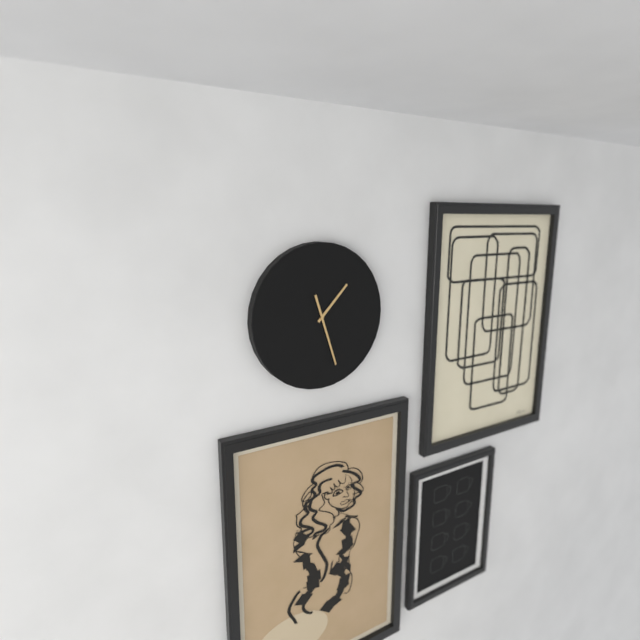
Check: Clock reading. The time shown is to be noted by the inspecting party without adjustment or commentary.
1:27
